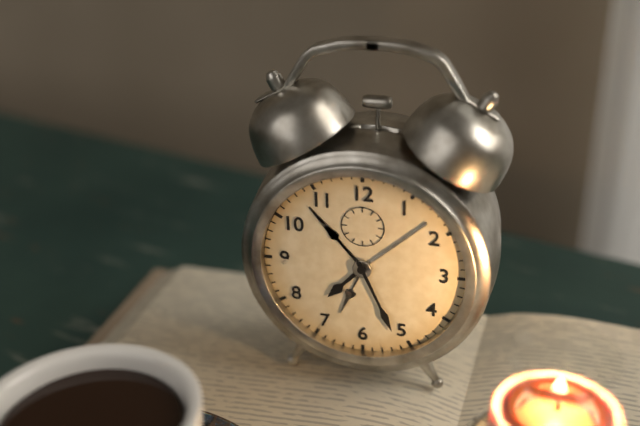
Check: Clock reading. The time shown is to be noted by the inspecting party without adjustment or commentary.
7:26
